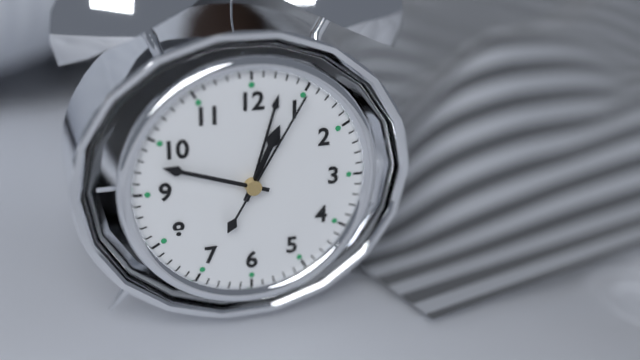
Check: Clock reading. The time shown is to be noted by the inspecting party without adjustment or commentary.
12:48:05
